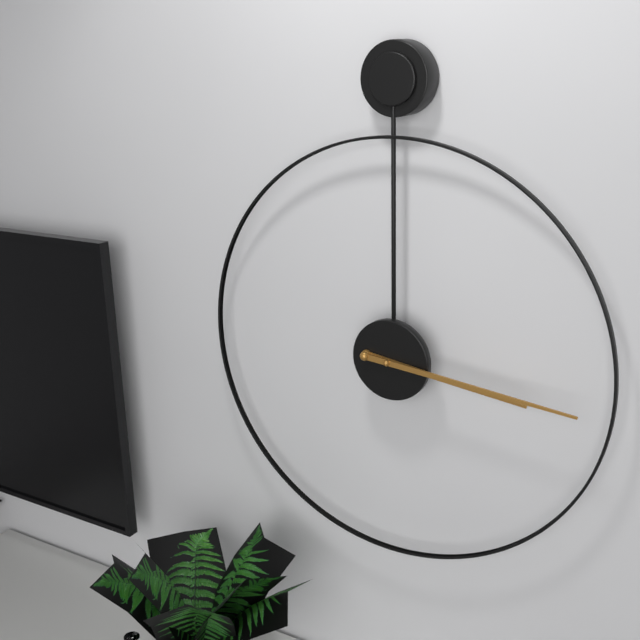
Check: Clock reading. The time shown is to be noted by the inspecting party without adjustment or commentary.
3:16
